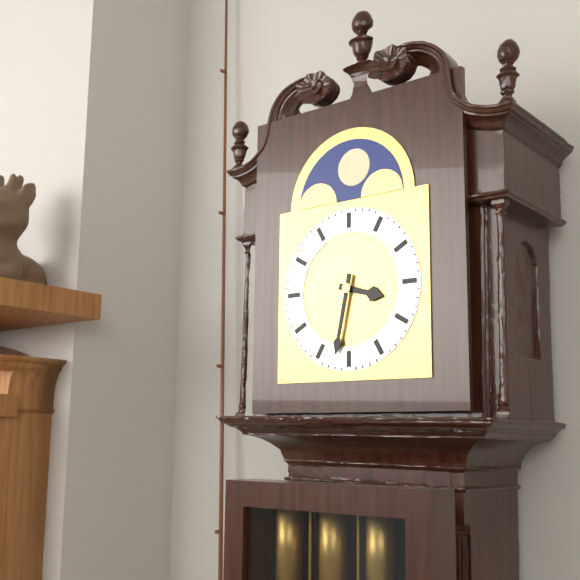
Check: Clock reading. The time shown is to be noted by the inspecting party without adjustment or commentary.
3:32
